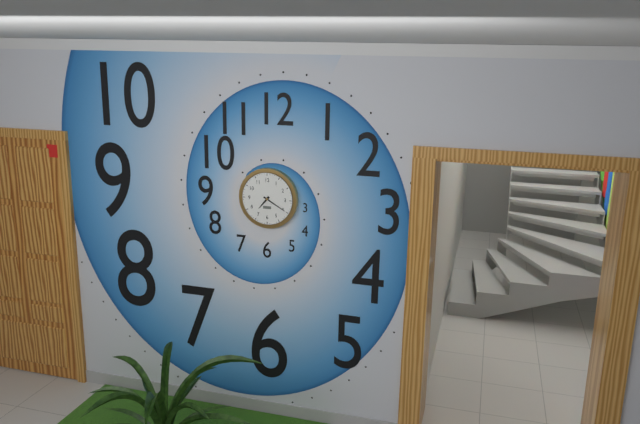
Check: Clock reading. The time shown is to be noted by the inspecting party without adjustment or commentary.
7:20
